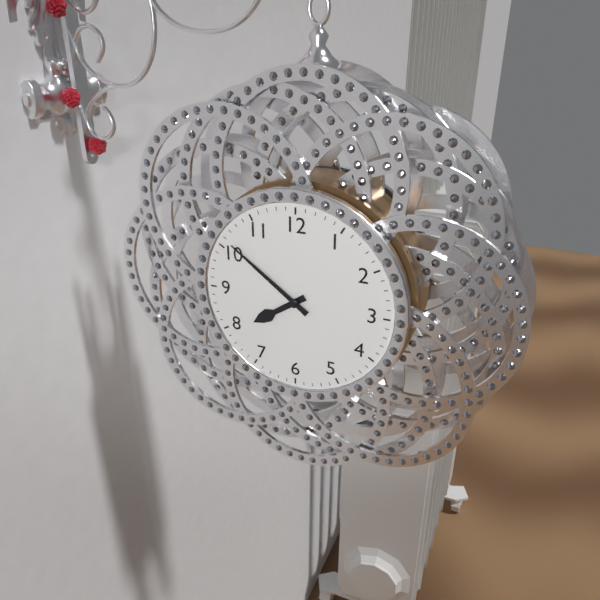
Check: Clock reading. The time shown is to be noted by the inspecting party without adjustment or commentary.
7:51
